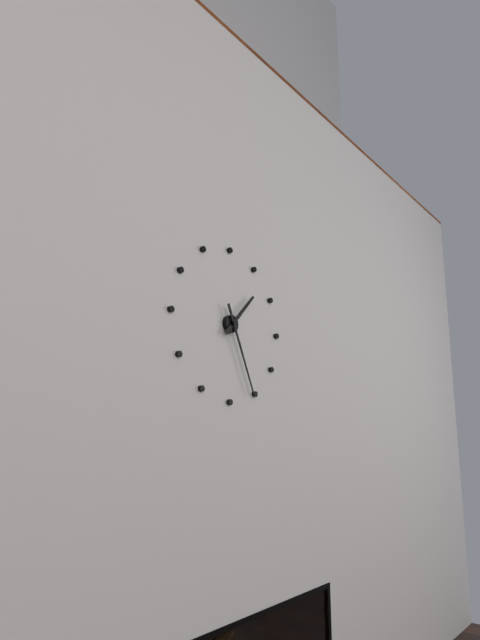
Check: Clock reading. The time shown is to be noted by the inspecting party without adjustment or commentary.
1:26
